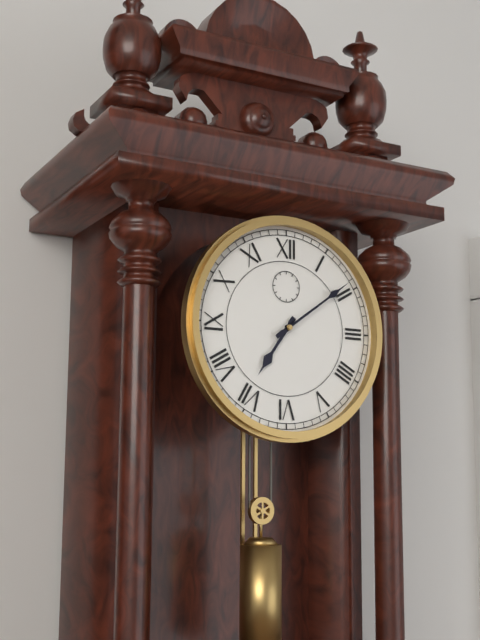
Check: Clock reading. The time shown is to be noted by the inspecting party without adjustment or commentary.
7:09
